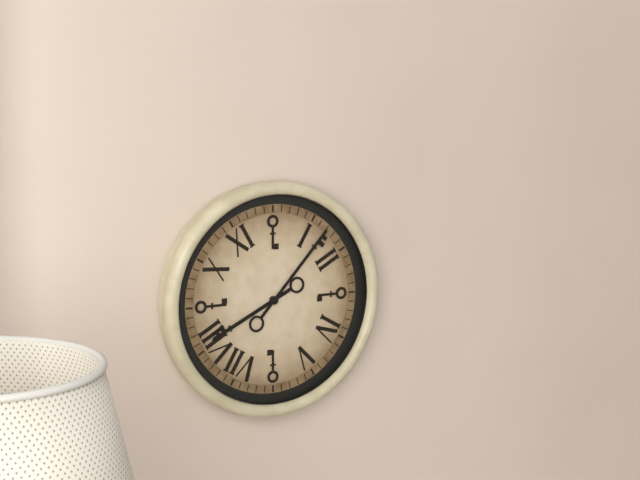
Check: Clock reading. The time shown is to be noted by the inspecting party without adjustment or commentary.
8:07
